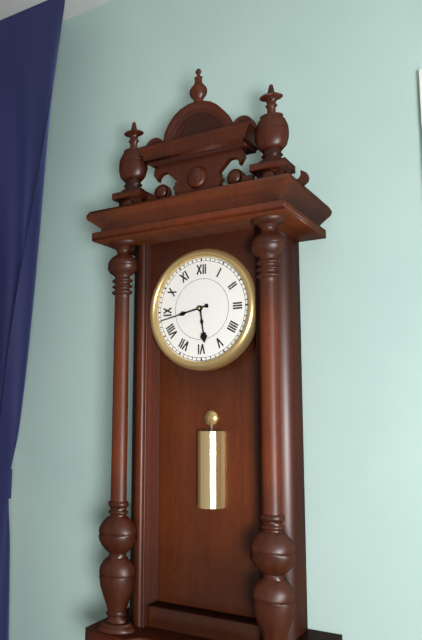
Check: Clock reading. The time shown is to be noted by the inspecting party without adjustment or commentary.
5:43
